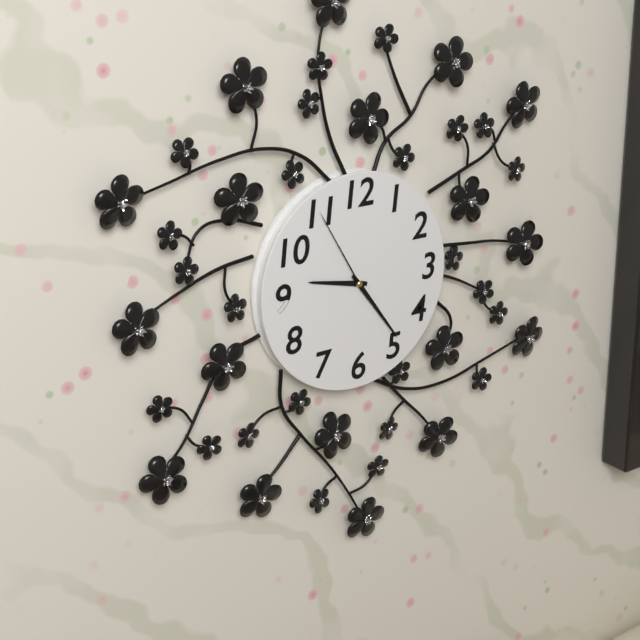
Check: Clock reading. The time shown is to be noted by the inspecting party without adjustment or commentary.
9:24:55
